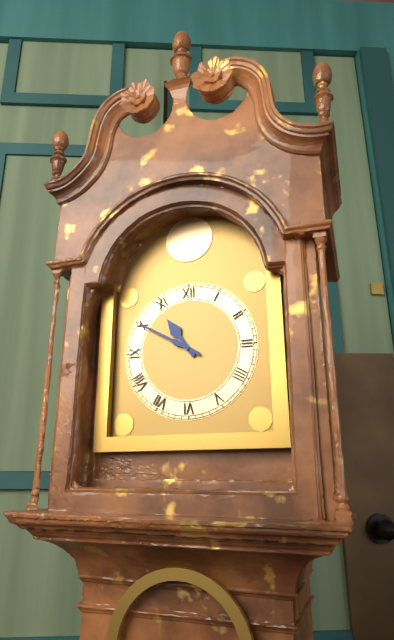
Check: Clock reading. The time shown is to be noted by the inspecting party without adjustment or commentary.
10:50
